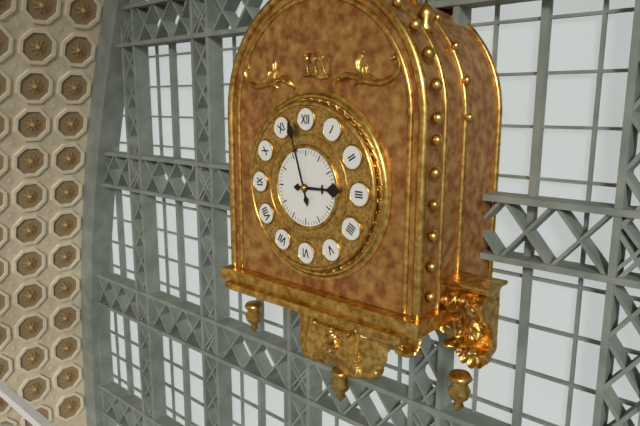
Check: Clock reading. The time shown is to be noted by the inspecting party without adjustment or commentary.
2:57
